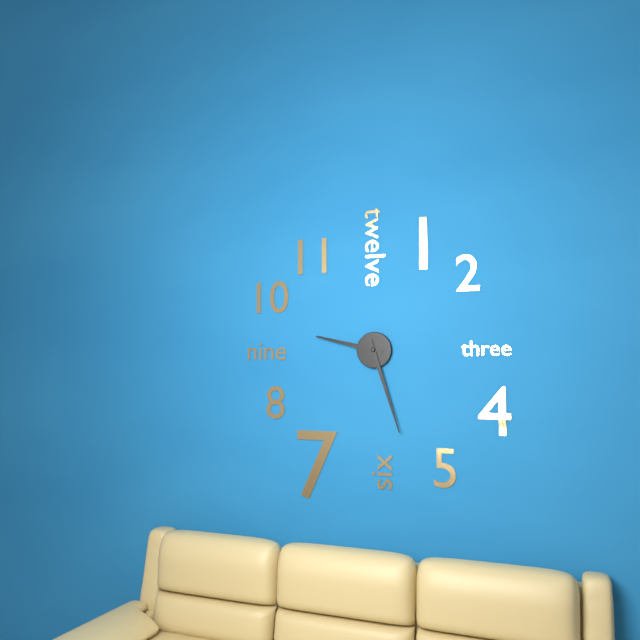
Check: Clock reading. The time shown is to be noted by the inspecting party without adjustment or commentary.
9:27
